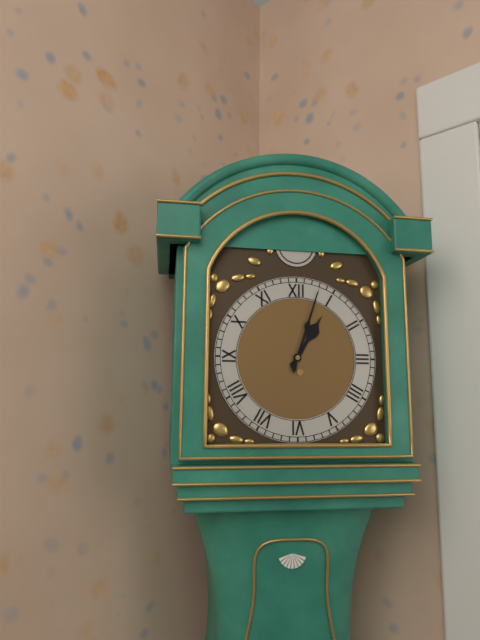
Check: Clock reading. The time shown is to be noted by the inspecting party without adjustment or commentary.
1:03
